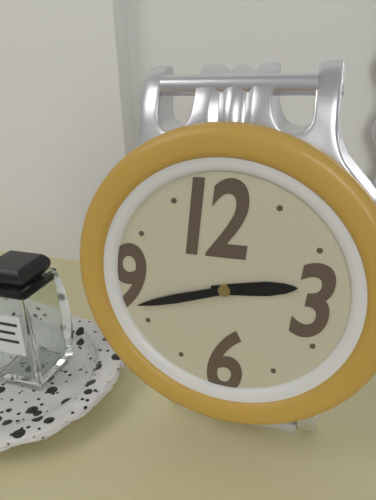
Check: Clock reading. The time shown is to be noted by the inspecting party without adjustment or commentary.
2:42
